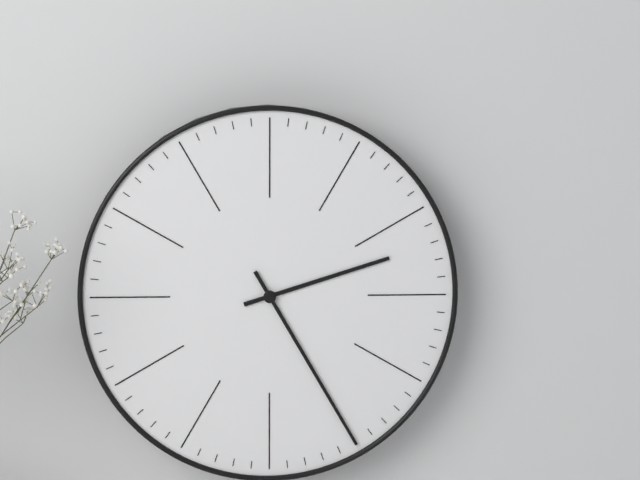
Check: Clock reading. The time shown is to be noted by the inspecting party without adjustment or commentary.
2:25
